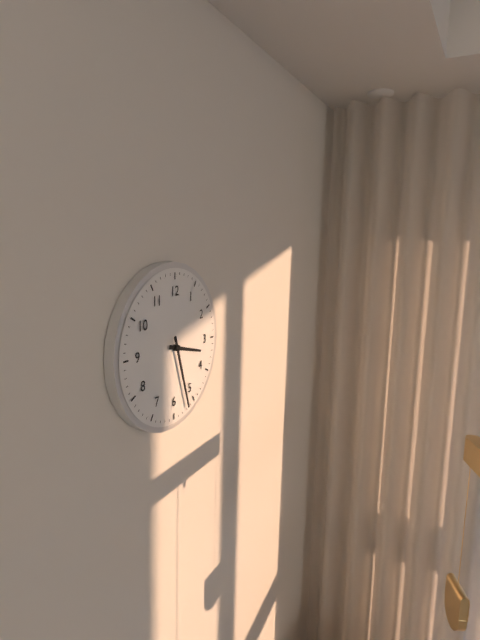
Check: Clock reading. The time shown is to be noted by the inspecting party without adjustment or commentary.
3:27
